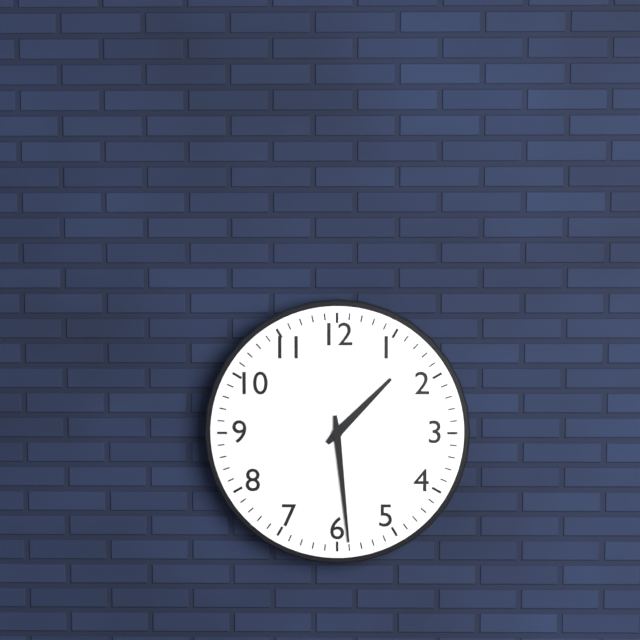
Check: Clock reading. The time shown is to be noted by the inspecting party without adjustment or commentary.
1:29
